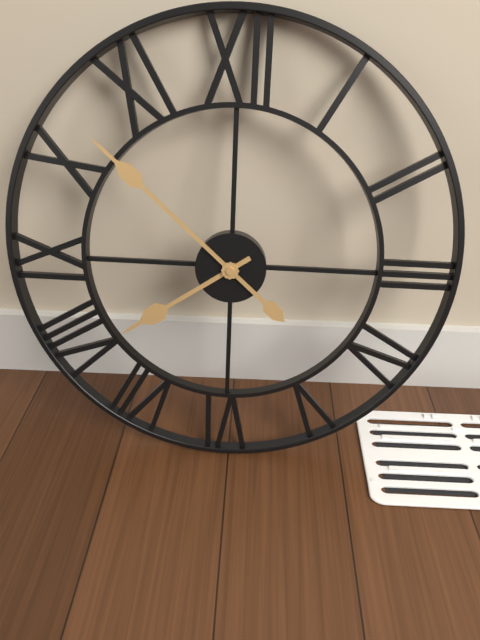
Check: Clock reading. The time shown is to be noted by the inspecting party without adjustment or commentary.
7:52
